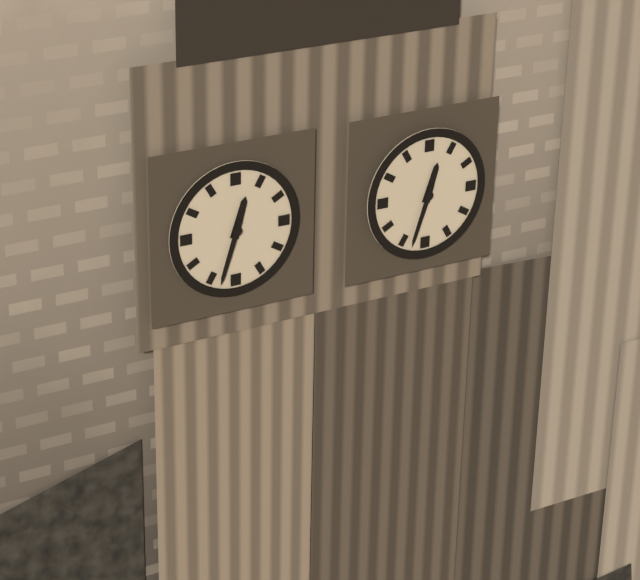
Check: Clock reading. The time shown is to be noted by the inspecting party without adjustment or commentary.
12:33
